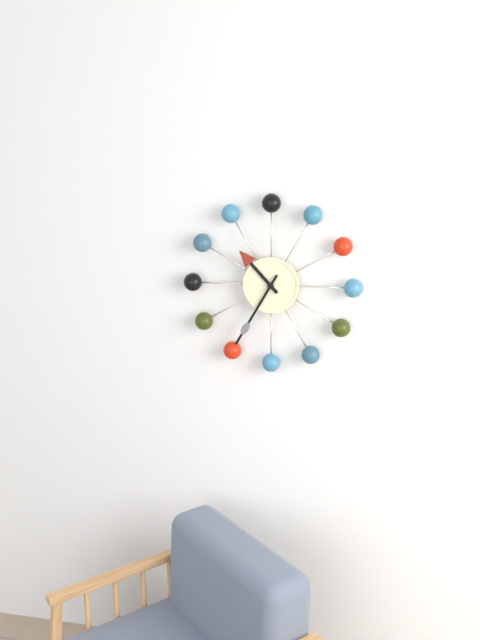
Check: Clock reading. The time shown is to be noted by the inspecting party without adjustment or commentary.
10:35
